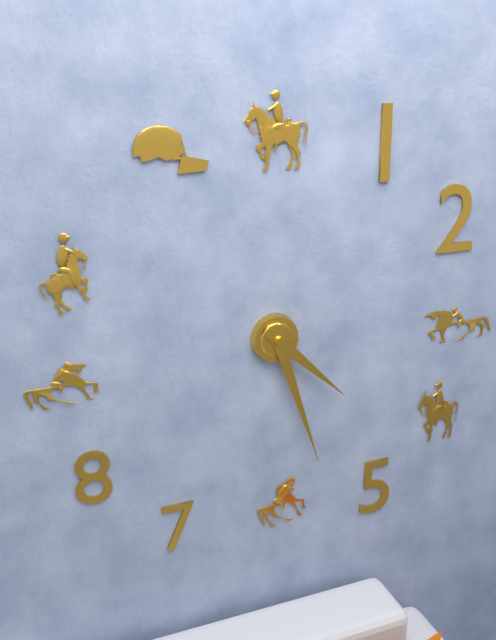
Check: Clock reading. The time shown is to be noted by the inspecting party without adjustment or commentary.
4:27
